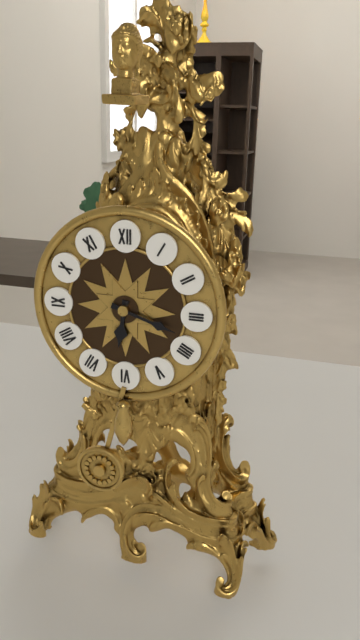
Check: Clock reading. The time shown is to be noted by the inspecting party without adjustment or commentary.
6:18
